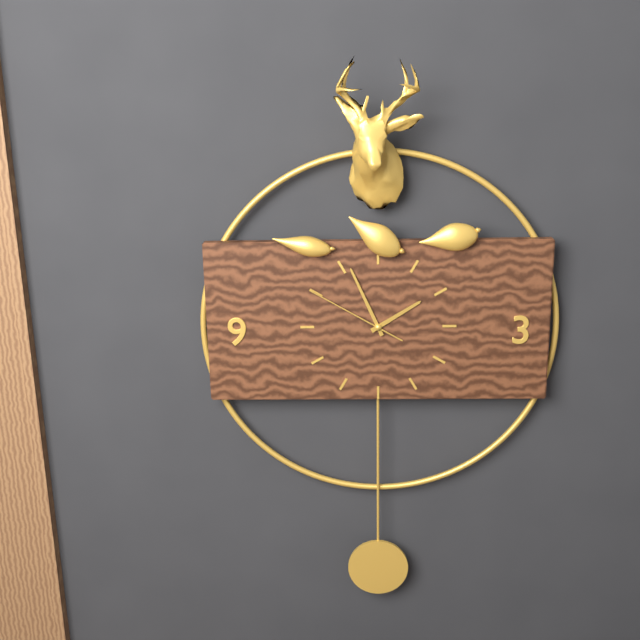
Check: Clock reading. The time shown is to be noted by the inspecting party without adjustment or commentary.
1:56:50
